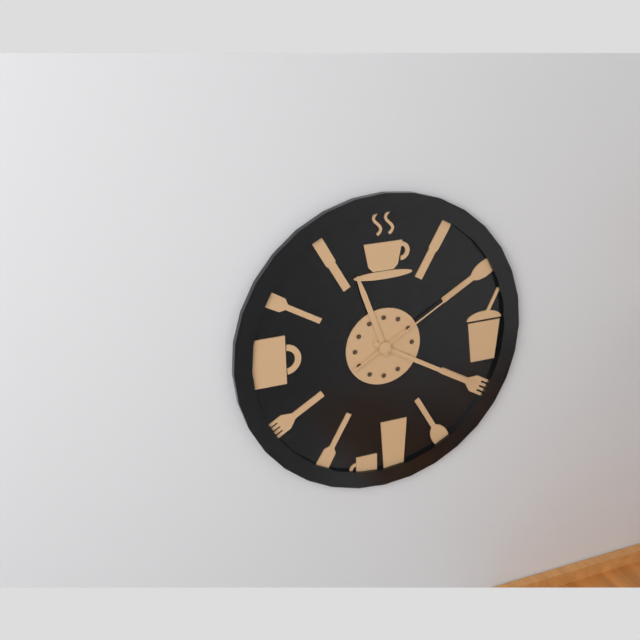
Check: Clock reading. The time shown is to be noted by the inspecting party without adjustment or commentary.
11:20:10
